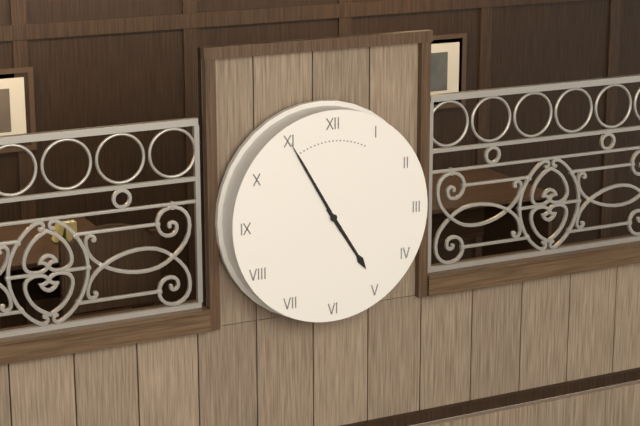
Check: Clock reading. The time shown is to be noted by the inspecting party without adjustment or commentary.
4:55
